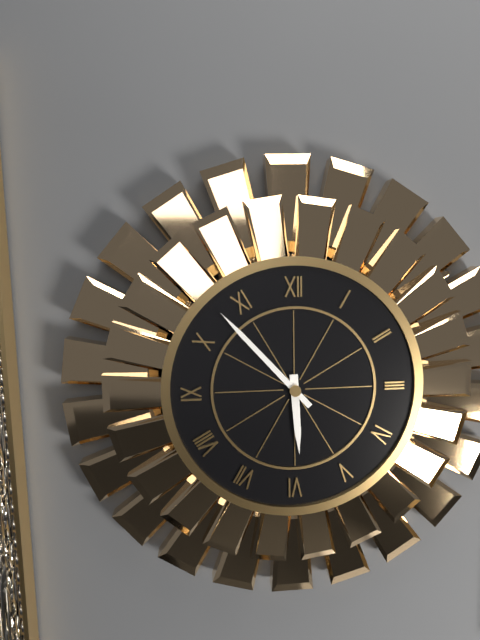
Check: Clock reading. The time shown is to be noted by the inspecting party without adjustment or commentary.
5:53
